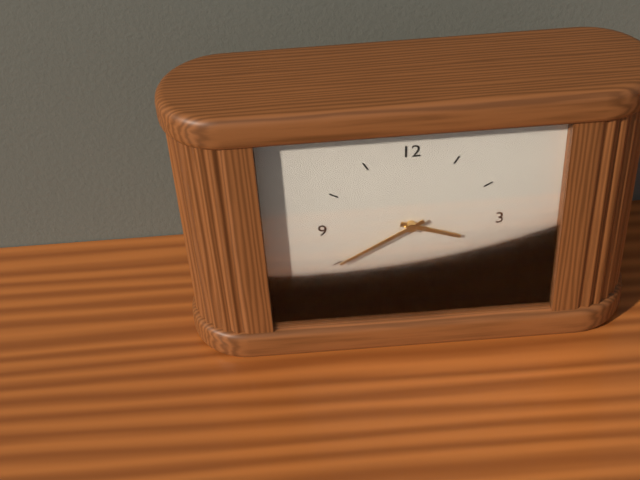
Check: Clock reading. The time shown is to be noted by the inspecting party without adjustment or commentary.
3:40
